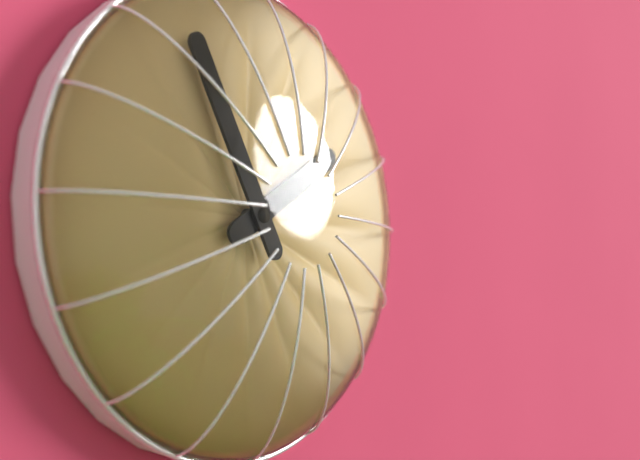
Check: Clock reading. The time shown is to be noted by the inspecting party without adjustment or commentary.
1:55
